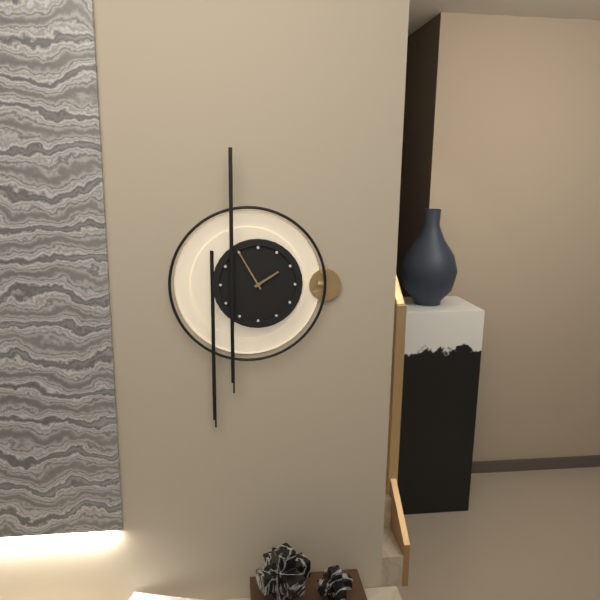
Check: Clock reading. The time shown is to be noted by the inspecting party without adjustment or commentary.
1:55
